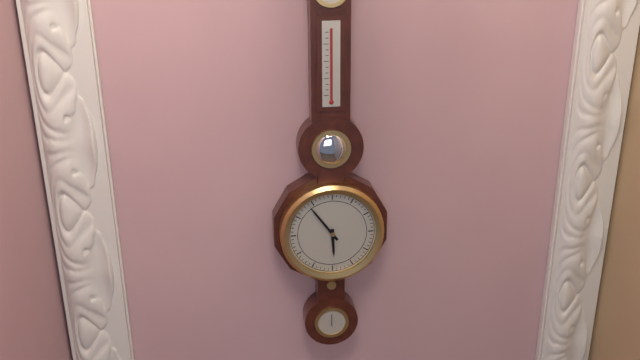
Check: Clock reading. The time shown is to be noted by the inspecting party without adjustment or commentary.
5:54
